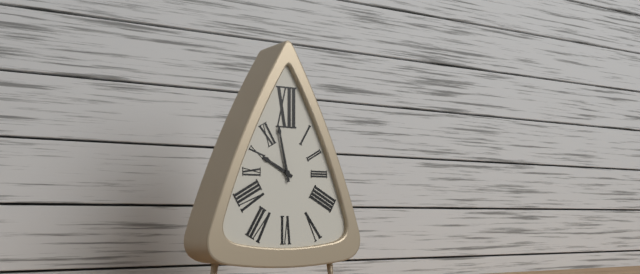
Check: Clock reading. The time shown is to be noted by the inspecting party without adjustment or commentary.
9:58
